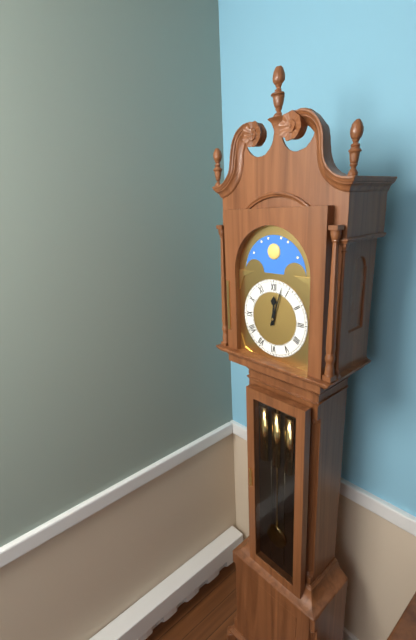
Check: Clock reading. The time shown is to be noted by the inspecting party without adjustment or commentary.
12:03
